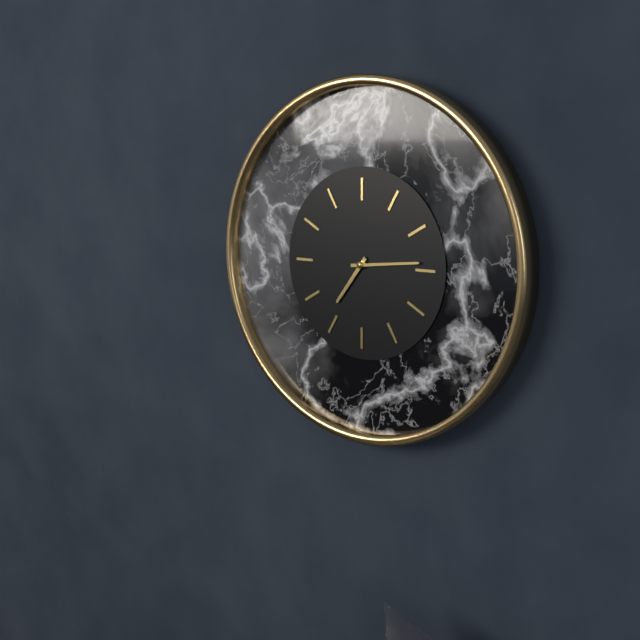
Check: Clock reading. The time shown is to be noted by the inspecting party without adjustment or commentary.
7:14
